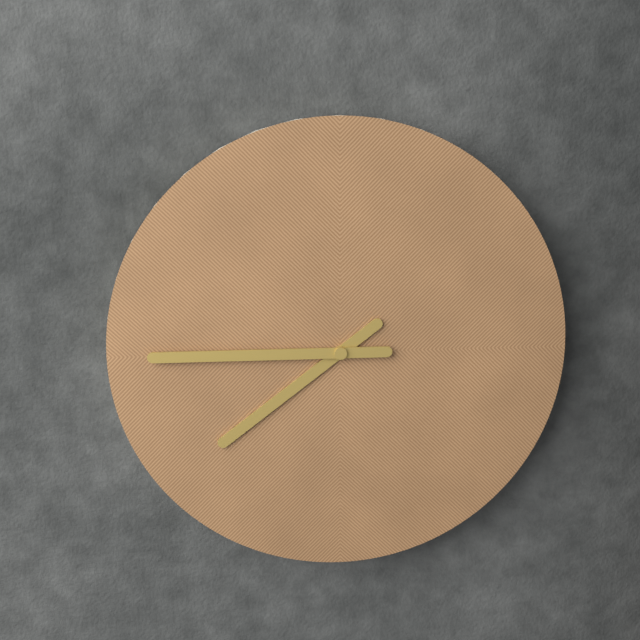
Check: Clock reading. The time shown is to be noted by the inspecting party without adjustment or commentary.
7:45
